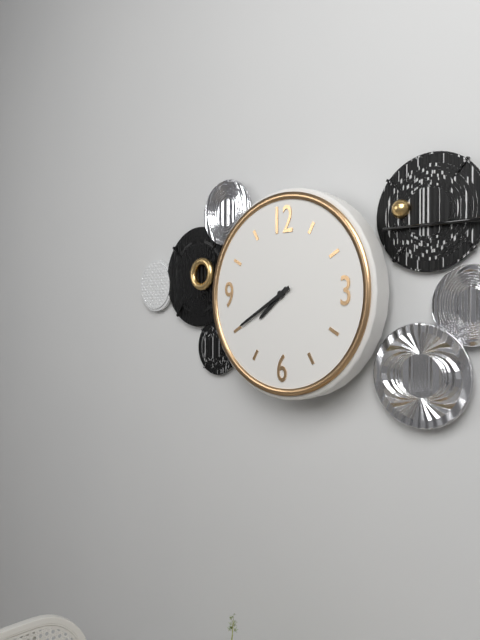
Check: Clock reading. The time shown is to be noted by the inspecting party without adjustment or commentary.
7:40
